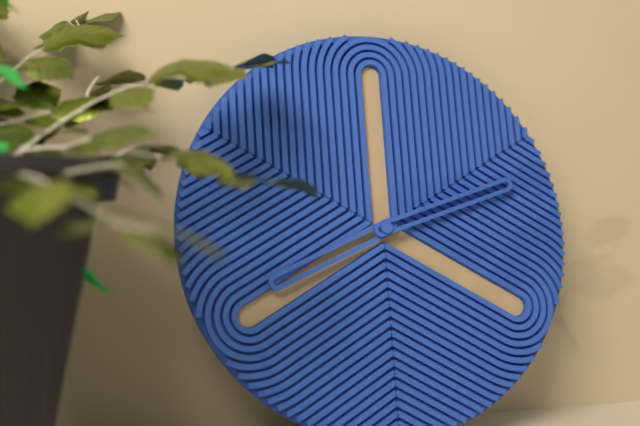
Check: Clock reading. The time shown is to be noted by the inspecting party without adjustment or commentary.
8:12
